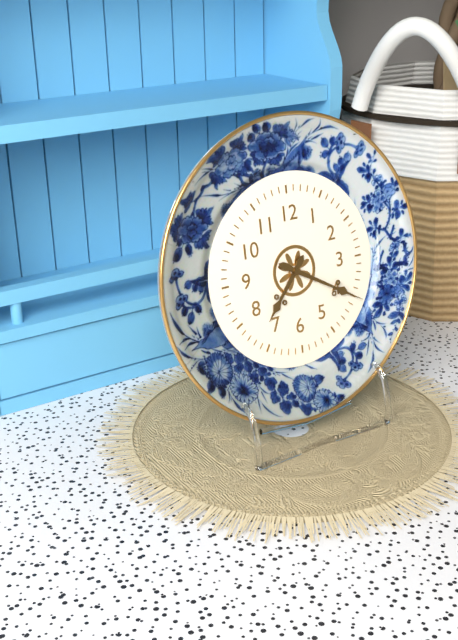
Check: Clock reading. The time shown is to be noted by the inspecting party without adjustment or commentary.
7:20
